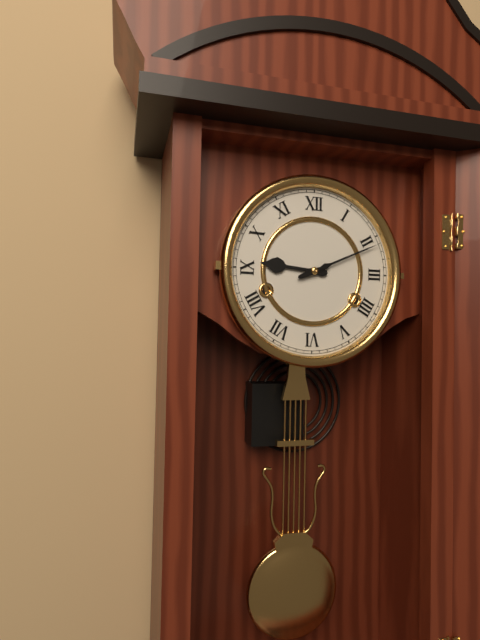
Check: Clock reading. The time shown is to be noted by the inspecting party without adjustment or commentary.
9:11
